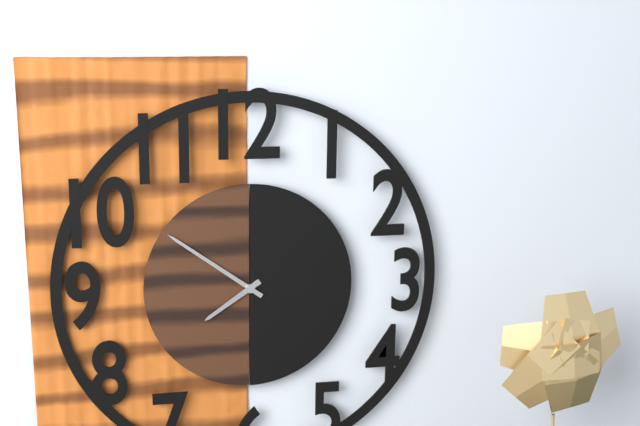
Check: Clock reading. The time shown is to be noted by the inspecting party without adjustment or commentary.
7:51
